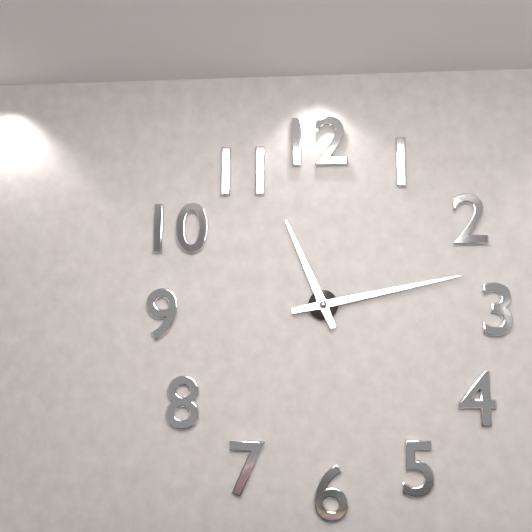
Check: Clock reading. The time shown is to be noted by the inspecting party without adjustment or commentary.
11:13
